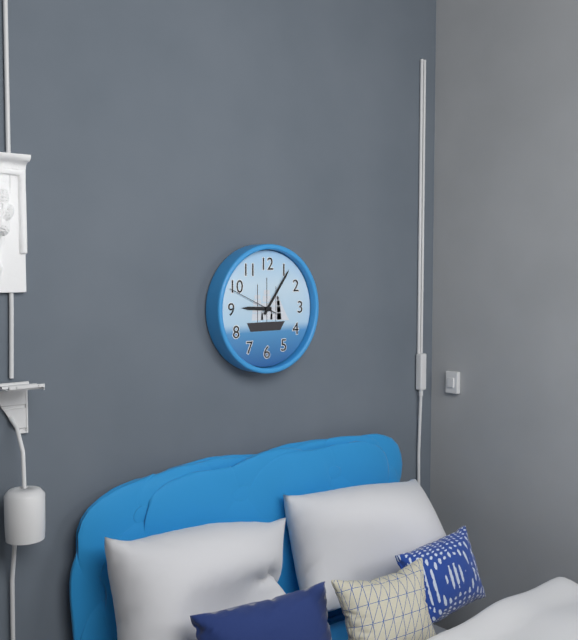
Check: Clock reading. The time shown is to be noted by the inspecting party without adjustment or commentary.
9:06:49
